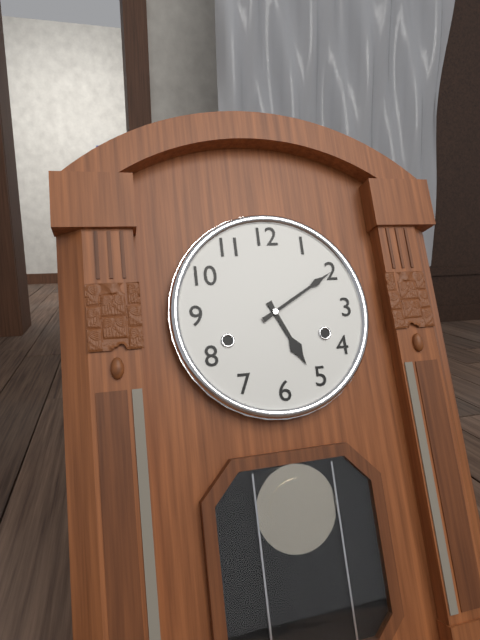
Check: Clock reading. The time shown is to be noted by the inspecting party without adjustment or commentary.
5:10
